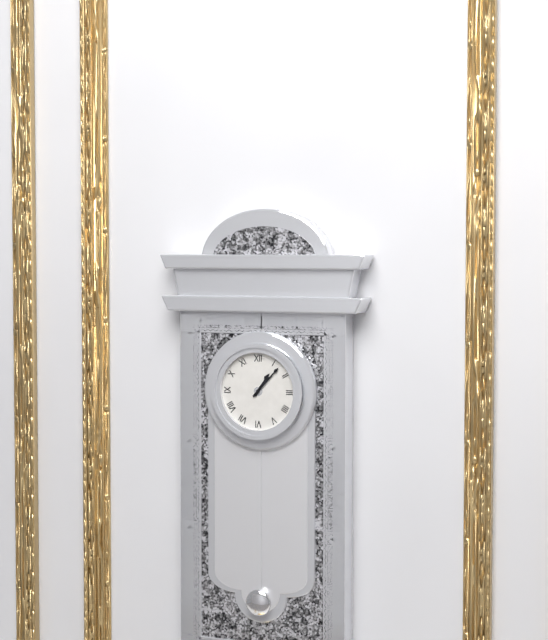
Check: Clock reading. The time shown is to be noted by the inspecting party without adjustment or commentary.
1:07
